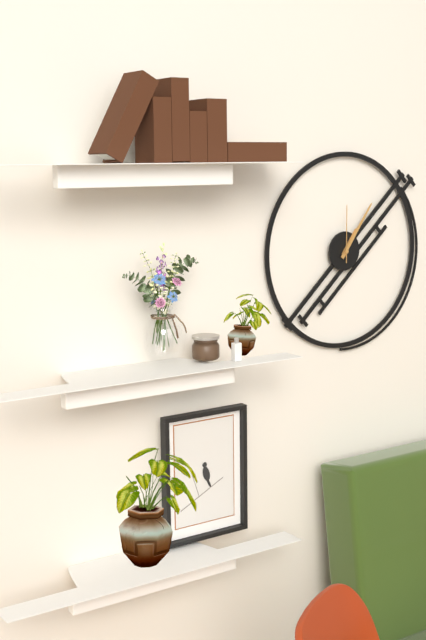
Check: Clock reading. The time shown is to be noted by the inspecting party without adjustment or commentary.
1:06:00
